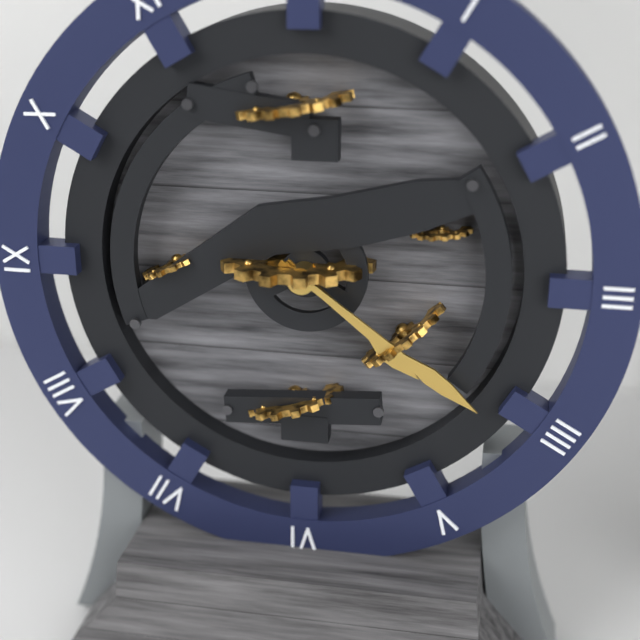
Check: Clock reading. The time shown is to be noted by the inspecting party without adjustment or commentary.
4:21
